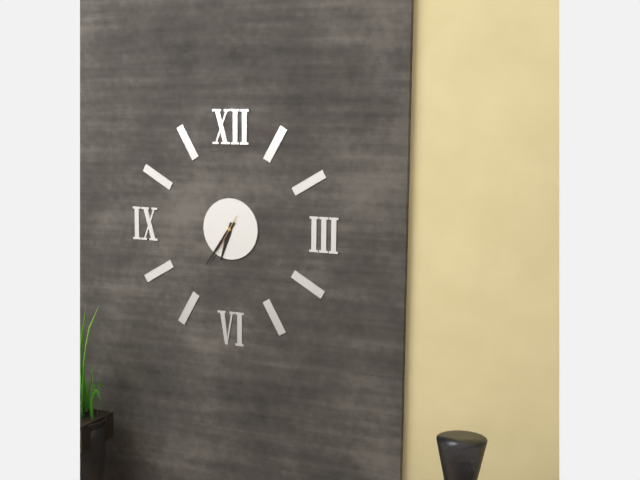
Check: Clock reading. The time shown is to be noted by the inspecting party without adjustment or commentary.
6:36
